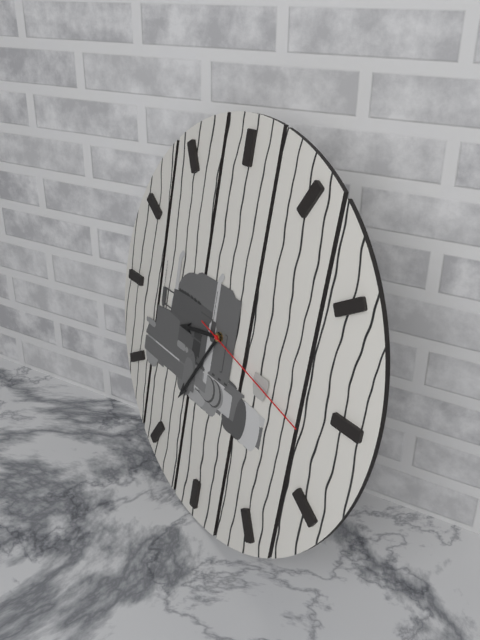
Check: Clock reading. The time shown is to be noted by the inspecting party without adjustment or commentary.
8:35:17
